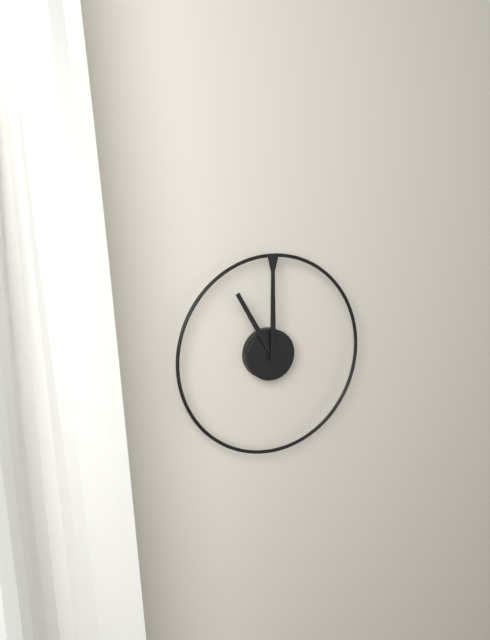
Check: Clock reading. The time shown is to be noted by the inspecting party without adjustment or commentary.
11:00
